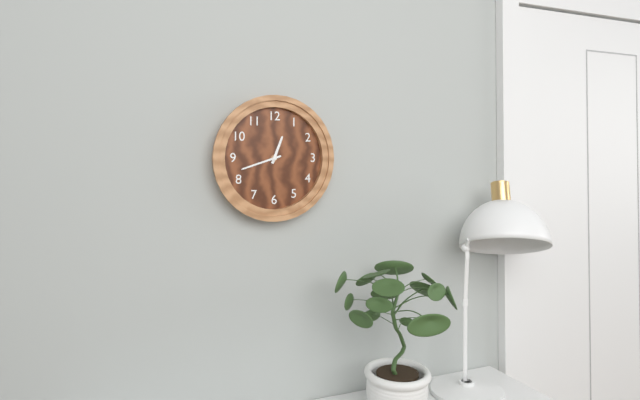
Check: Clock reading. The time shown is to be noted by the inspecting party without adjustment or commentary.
12:42
